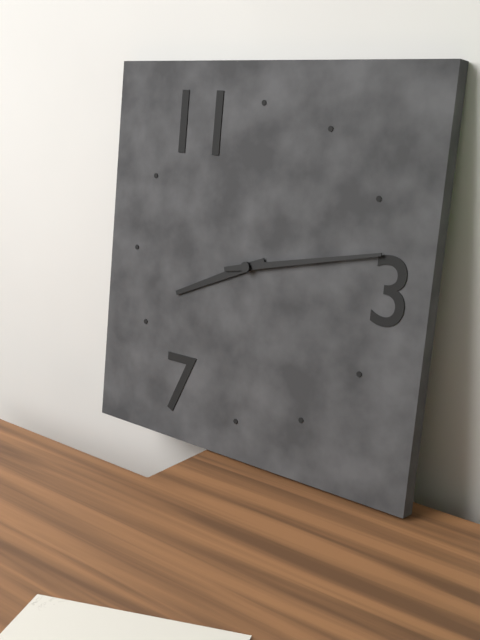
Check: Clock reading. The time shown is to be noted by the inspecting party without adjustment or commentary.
8:13
